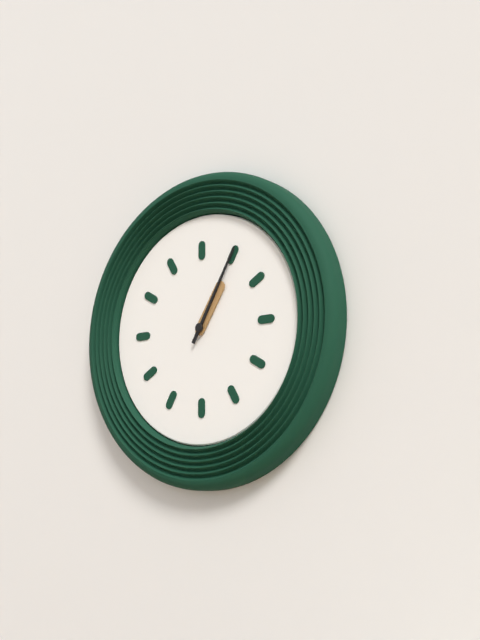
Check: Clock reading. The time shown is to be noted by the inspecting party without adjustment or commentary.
1:05
